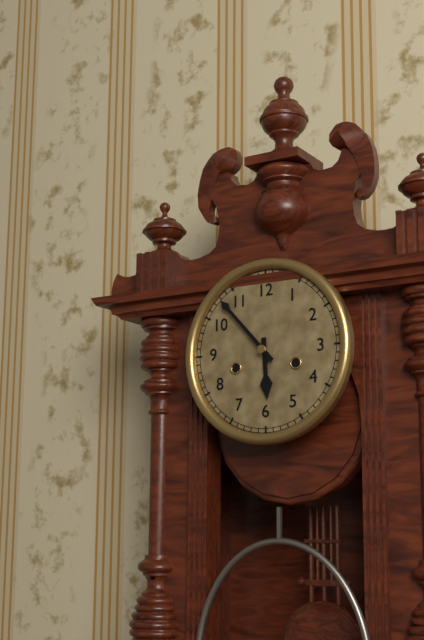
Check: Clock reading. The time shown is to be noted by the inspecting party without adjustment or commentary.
5:53
